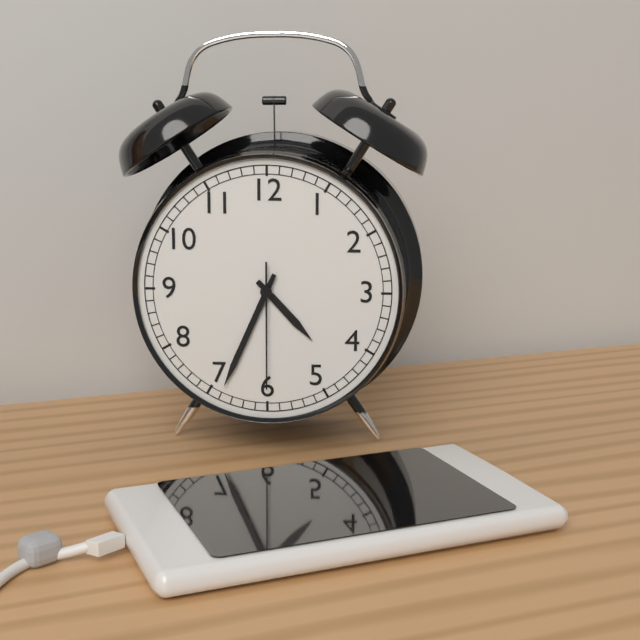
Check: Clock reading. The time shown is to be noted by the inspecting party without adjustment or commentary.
4:34:30
